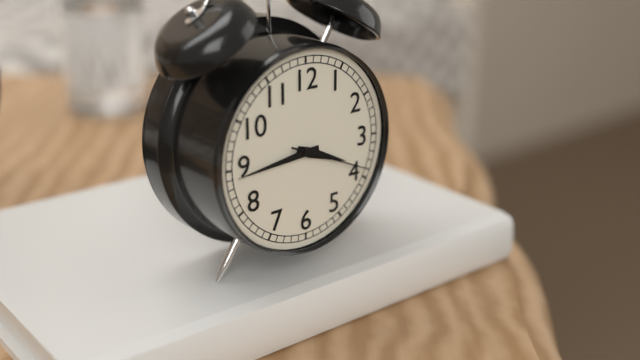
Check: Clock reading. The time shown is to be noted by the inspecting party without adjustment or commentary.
3:44:19
